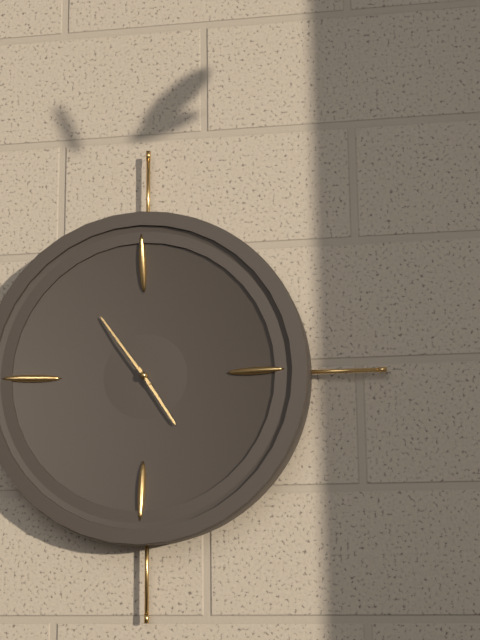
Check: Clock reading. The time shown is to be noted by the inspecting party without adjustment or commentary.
4:54
